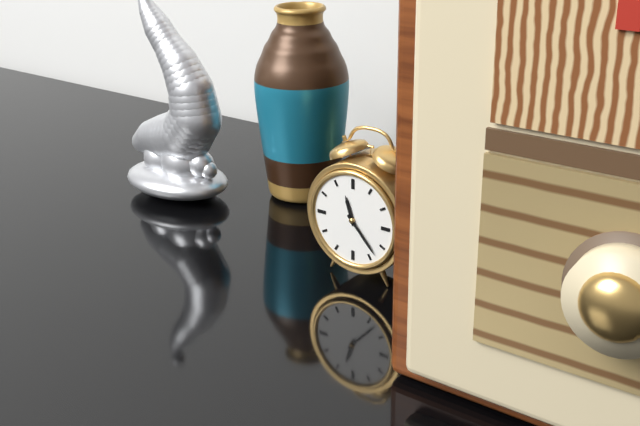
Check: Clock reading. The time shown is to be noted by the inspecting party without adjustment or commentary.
11:23
